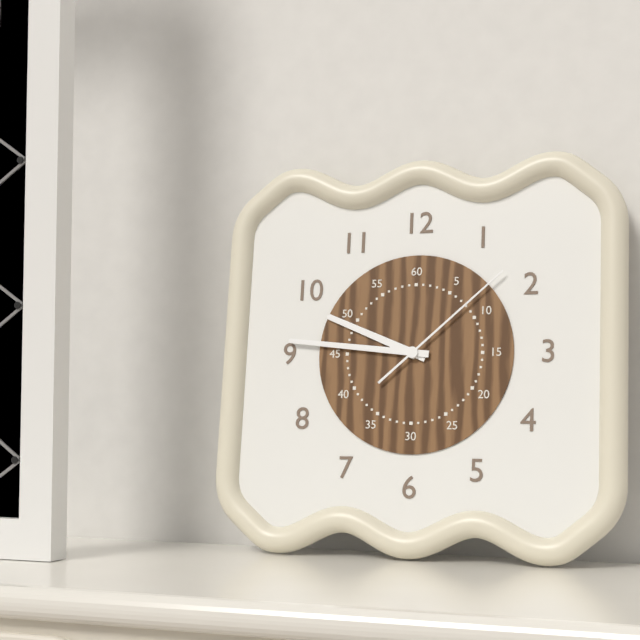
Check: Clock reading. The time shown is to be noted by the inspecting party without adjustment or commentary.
9:46:08
